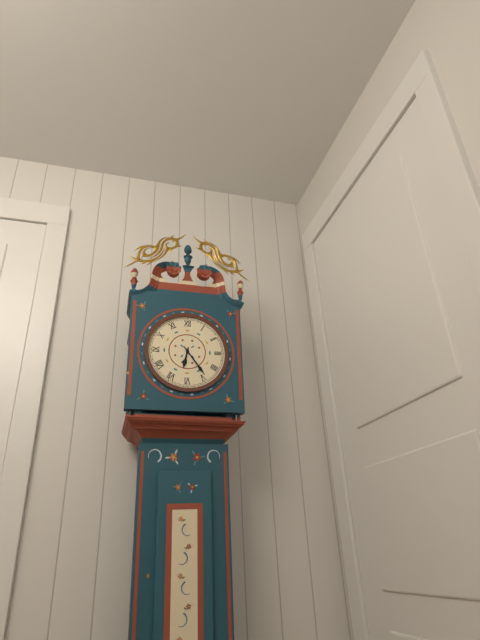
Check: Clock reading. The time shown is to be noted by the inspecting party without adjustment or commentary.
6:24
